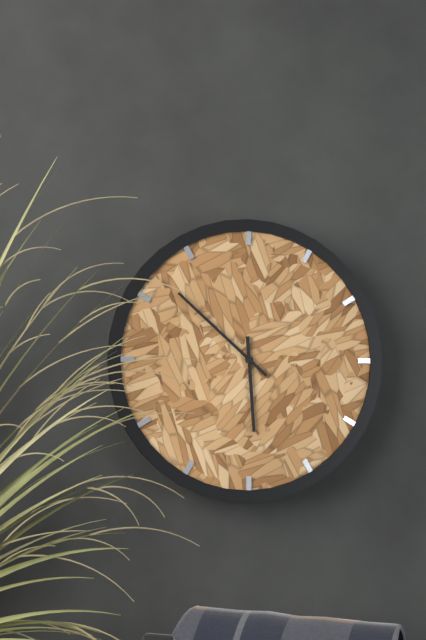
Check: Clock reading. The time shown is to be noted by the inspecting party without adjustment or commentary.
5:52
